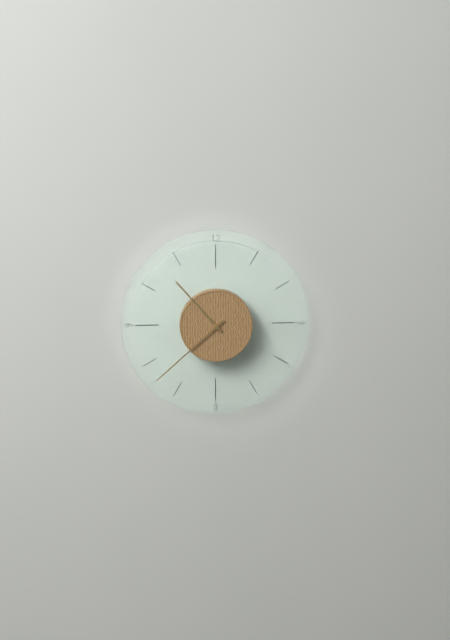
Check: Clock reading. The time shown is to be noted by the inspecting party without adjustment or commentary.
10:38
